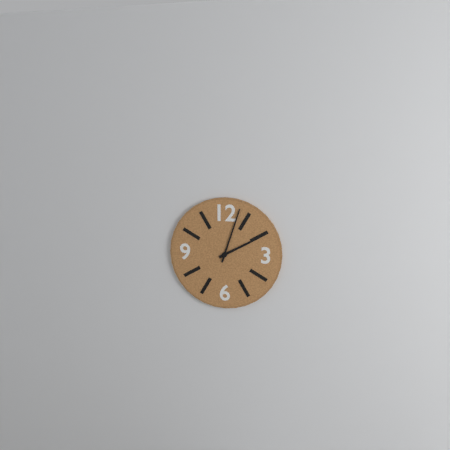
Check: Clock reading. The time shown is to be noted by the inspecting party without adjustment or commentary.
2:03
